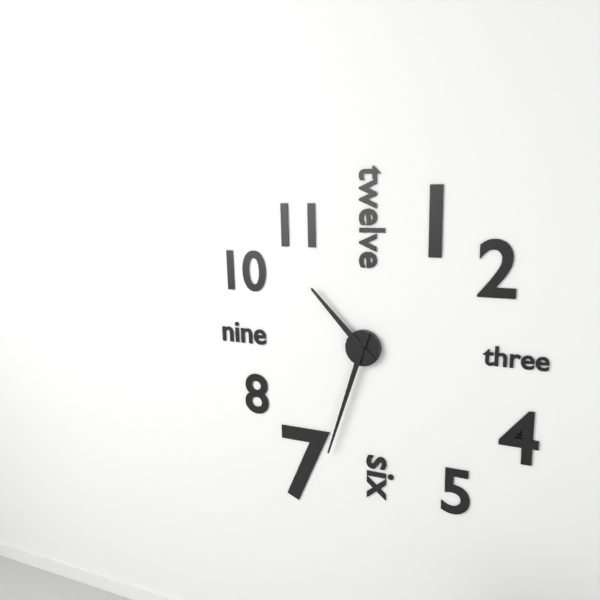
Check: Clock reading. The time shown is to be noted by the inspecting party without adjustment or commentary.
10:33
